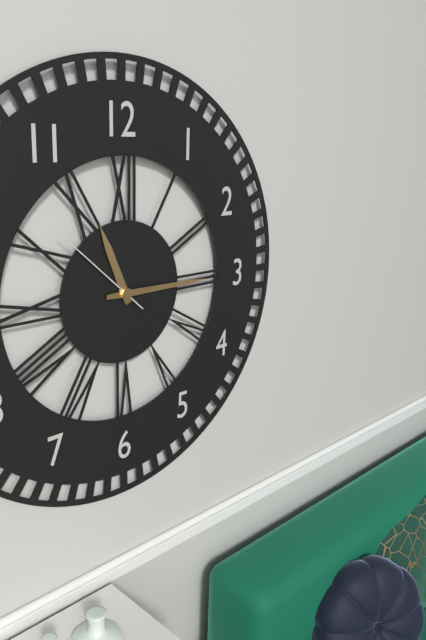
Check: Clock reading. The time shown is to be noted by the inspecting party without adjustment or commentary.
11:15:52
